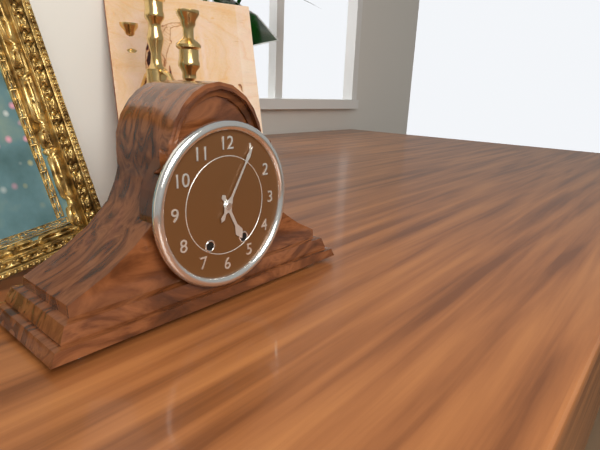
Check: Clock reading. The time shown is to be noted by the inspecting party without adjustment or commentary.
5:05
